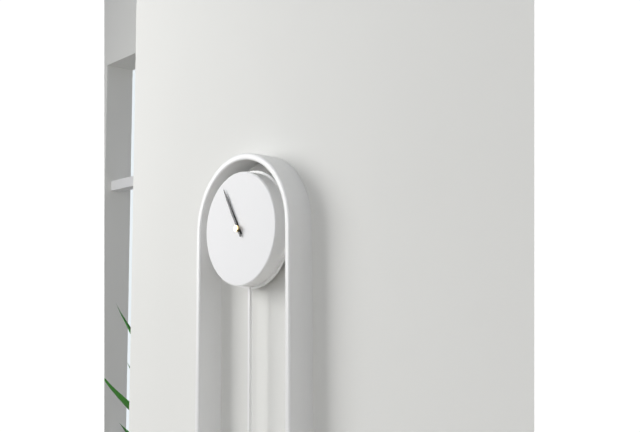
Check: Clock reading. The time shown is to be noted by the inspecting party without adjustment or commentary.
10:55
